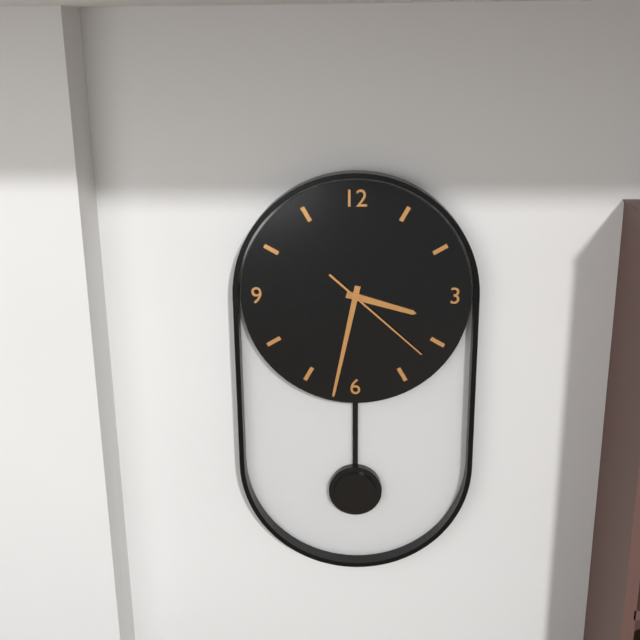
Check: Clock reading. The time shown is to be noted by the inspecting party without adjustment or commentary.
3:32:22
